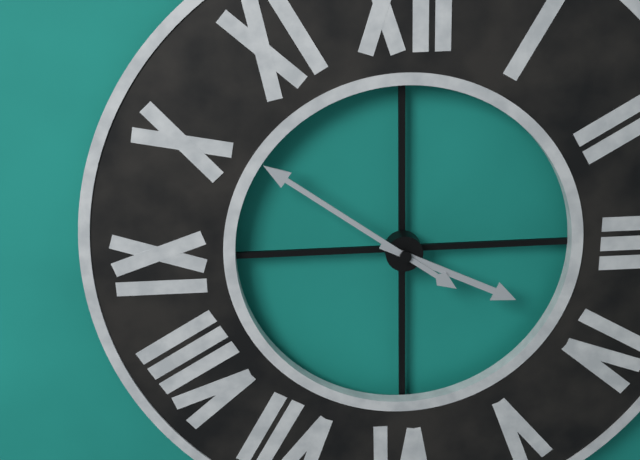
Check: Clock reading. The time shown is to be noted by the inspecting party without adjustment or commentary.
3:51
